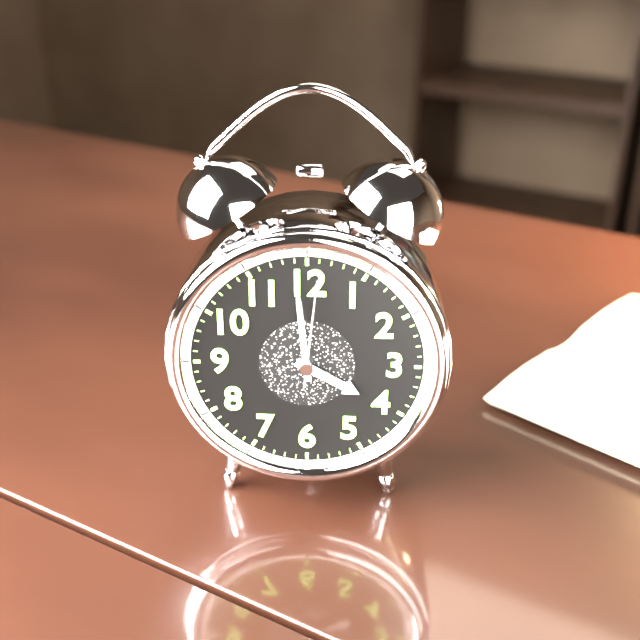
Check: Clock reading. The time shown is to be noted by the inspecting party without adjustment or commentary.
3:59:01
